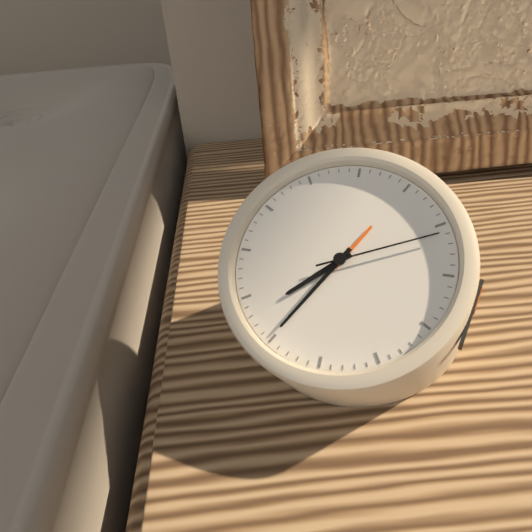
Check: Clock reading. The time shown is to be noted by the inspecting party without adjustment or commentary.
7:35:11
